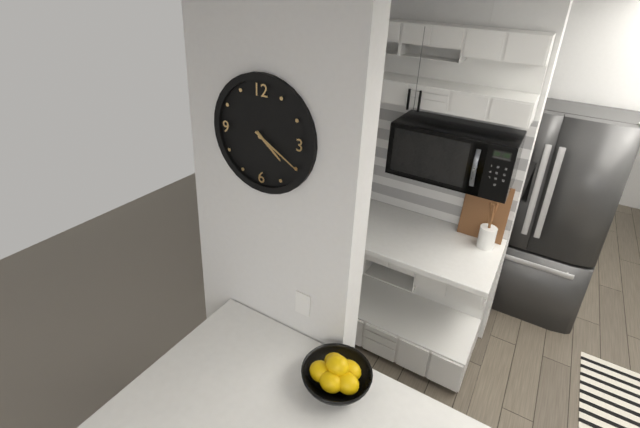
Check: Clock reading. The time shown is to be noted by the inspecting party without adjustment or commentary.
4:20
